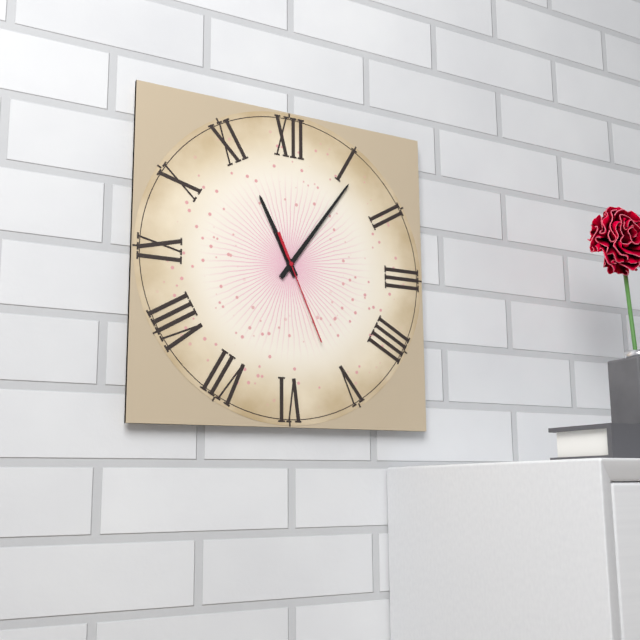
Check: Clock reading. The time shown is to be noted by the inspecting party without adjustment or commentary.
11:06:26
